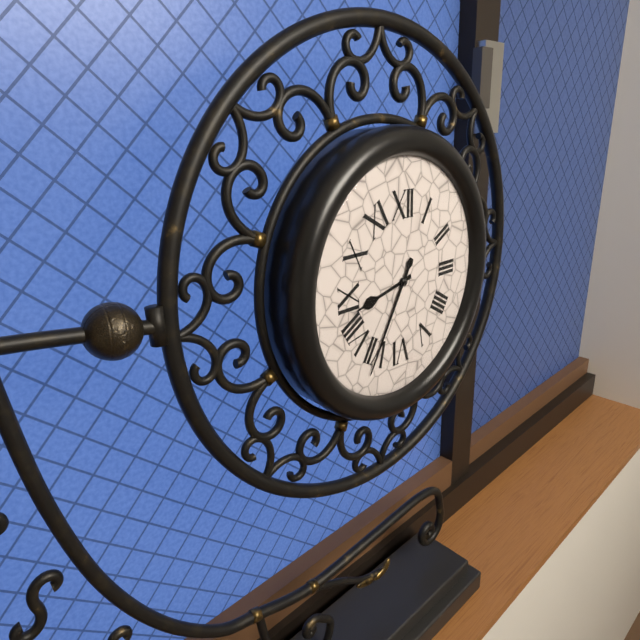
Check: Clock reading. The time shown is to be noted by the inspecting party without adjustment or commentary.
8:35
